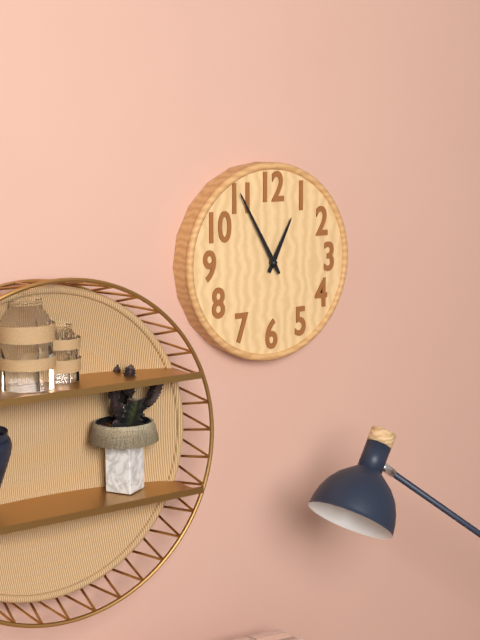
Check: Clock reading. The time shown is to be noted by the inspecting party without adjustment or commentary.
12:55
